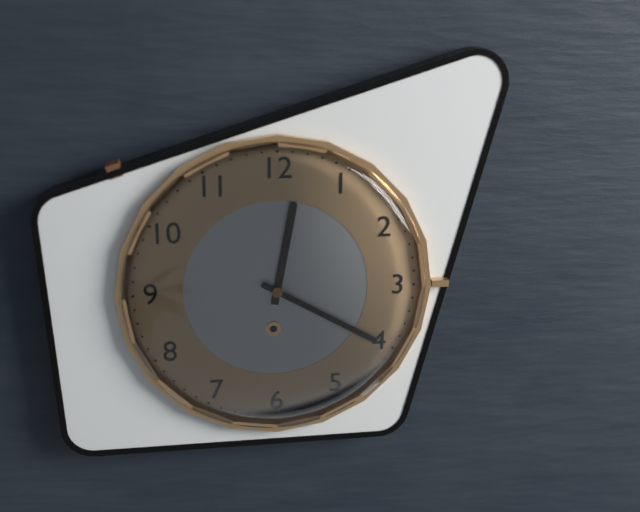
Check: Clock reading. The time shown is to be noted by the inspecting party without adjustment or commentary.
12:20
